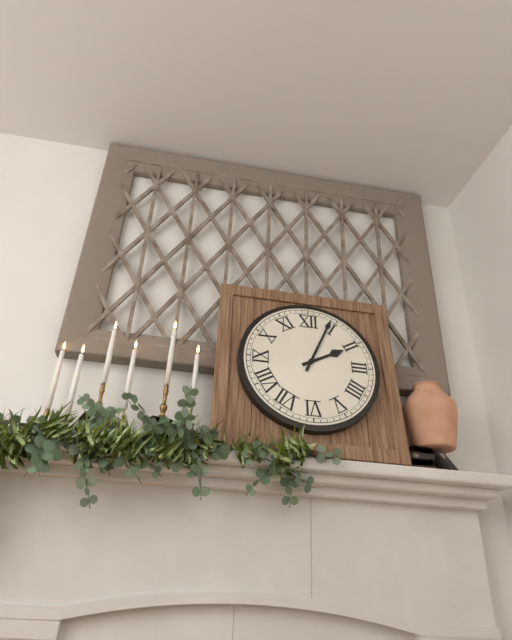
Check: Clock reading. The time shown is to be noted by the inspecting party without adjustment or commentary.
2:04
